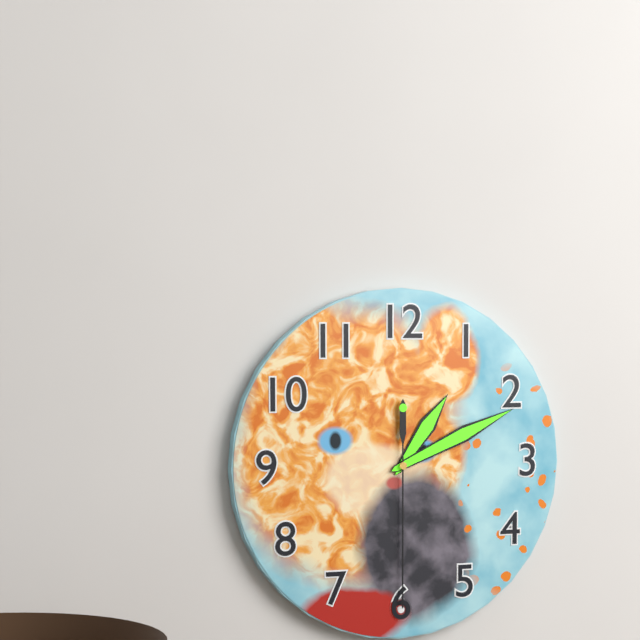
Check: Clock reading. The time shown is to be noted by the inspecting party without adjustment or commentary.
1:11:30
